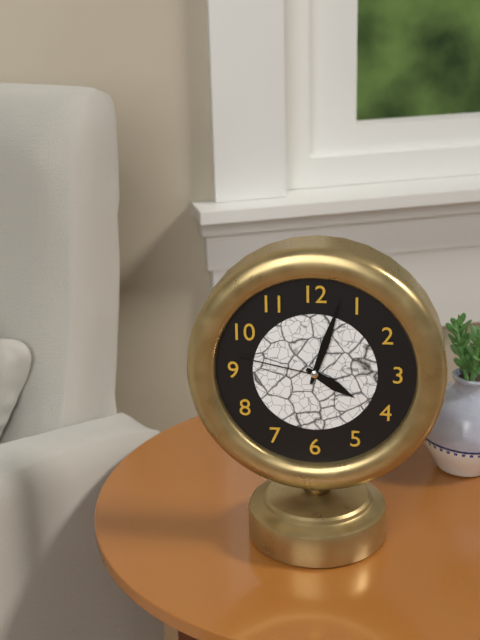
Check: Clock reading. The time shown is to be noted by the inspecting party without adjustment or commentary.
4:03:47
